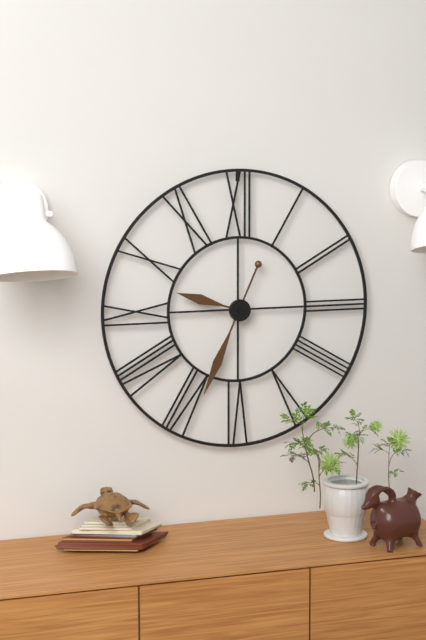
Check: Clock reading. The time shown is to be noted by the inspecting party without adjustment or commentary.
9:34
